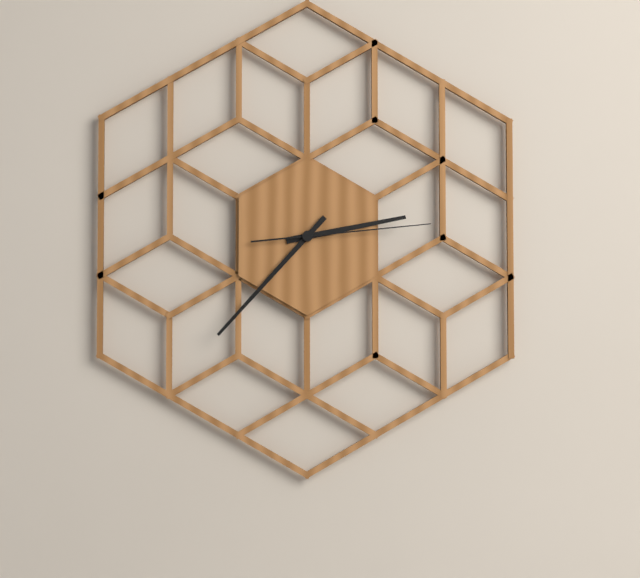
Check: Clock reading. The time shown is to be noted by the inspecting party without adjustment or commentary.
2:37:14
